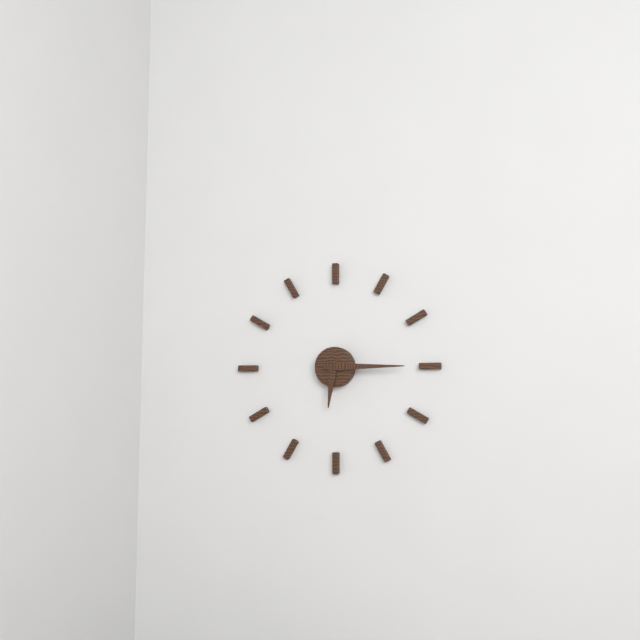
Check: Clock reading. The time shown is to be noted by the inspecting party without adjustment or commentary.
6:15
